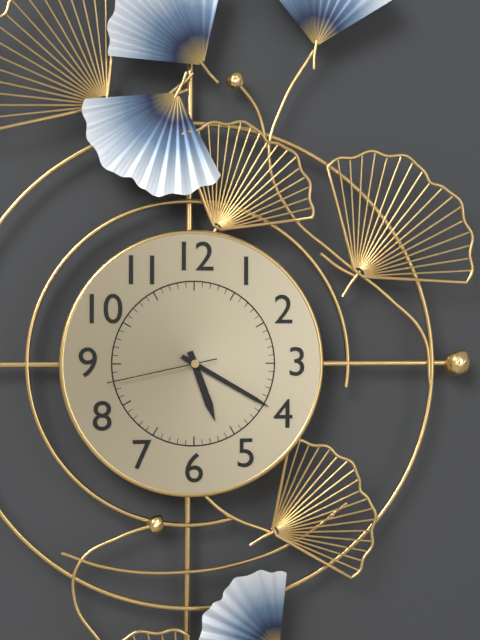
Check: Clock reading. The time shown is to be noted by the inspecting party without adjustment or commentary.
5:20:43
